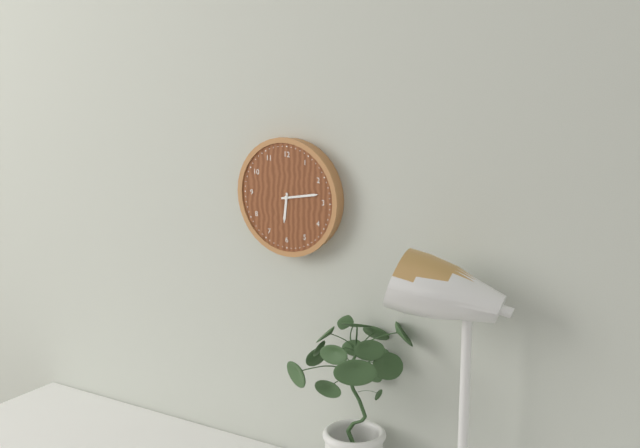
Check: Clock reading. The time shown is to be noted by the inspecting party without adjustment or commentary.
6:13
